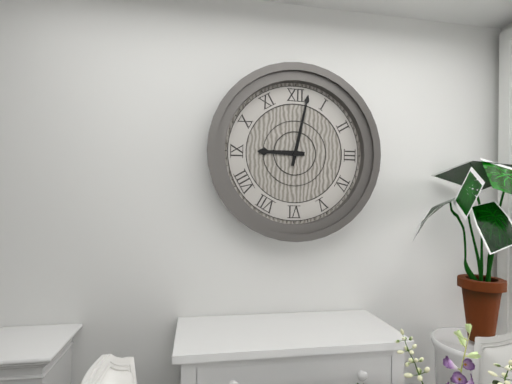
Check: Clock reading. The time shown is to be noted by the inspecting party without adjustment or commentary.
9:02
